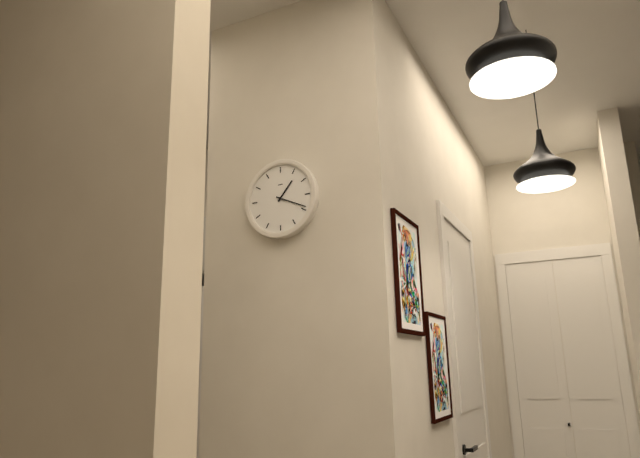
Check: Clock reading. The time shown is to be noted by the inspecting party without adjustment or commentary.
1:19
